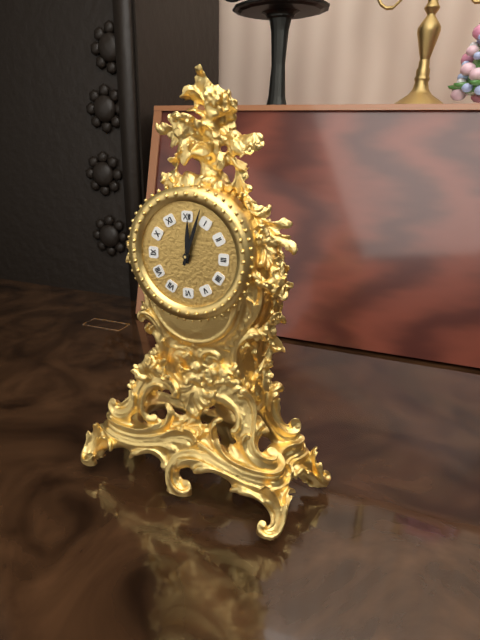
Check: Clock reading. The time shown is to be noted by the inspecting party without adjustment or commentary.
12:03
